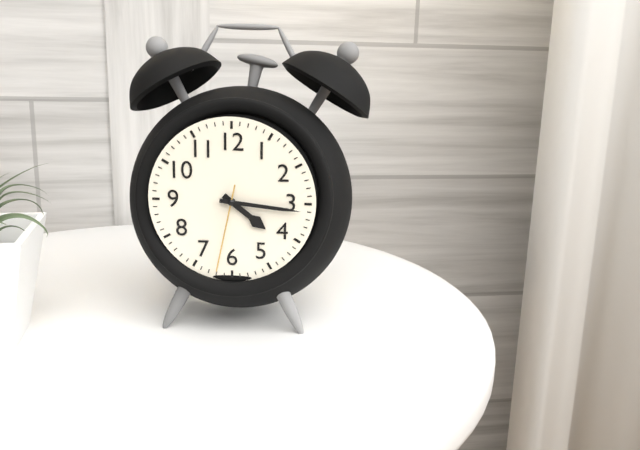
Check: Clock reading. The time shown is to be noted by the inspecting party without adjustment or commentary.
4:16:32
